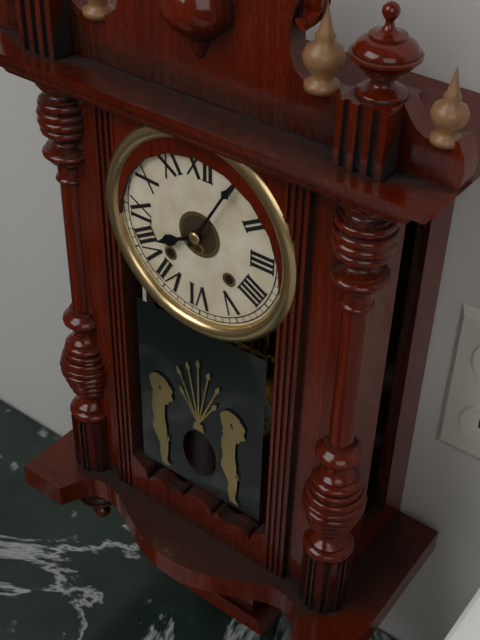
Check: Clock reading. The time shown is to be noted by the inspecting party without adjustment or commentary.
8:05
